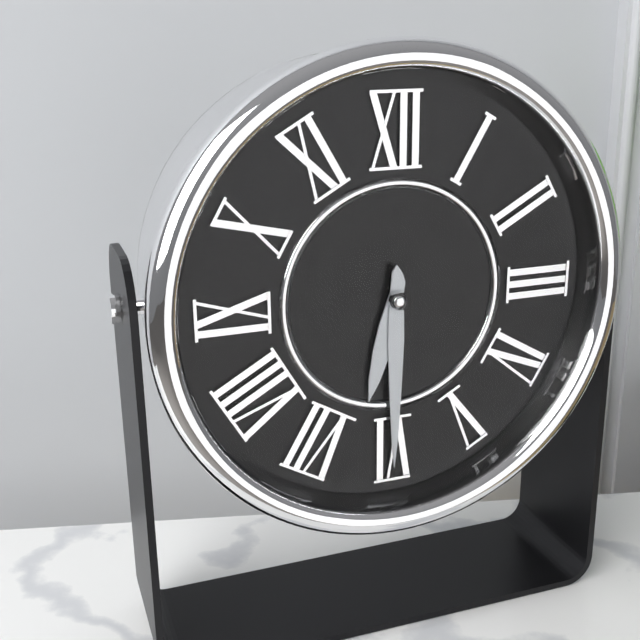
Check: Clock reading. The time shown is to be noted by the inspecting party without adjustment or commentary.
6:30
